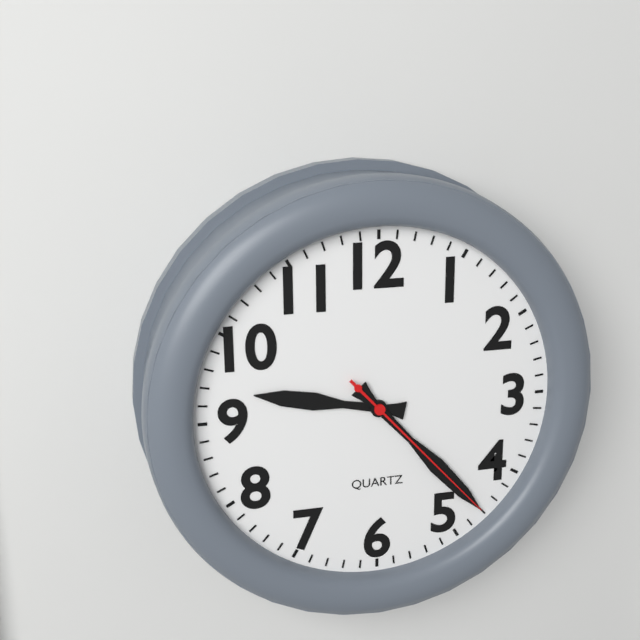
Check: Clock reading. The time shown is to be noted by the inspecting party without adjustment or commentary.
9:23:23
